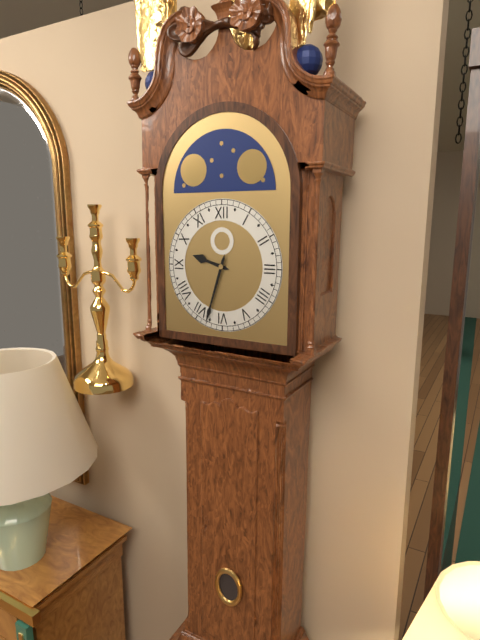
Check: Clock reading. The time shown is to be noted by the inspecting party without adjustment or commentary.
9:33
